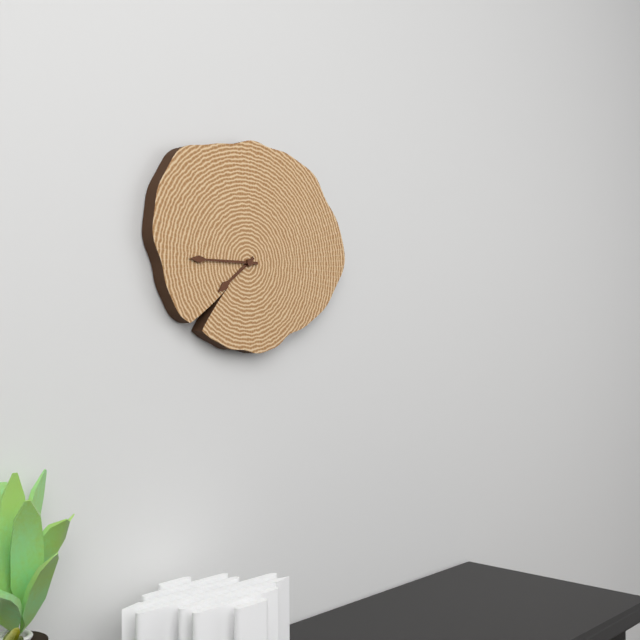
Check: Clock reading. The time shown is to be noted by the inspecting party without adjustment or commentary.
7:45
